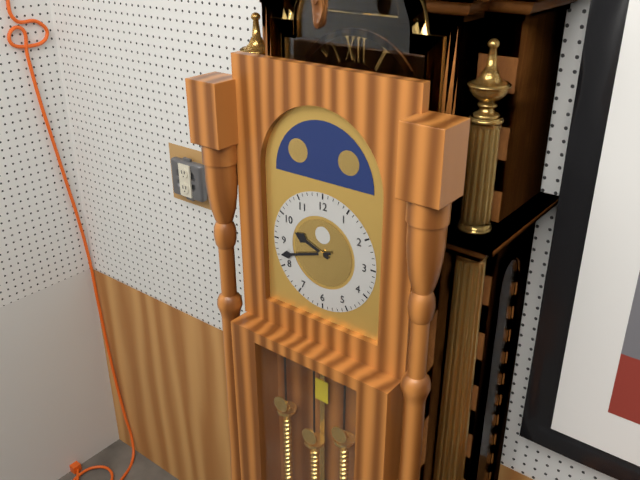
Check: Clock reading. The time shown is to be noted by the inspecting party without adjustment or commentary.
9:42
